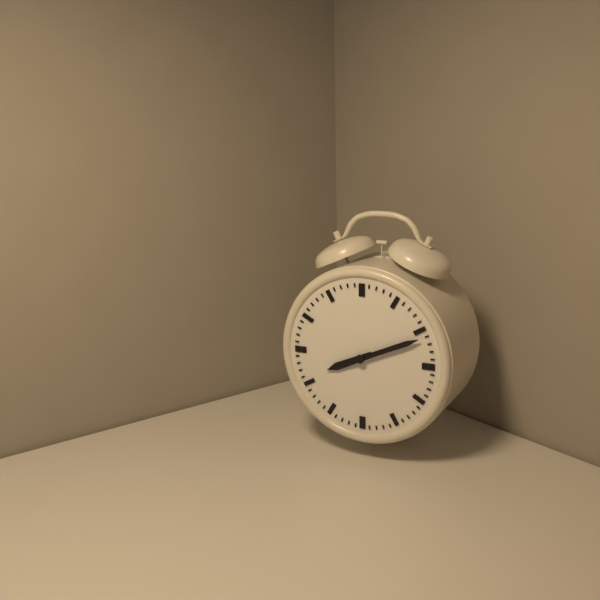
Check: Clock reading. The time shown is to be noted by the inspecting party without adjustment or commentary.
8:11
